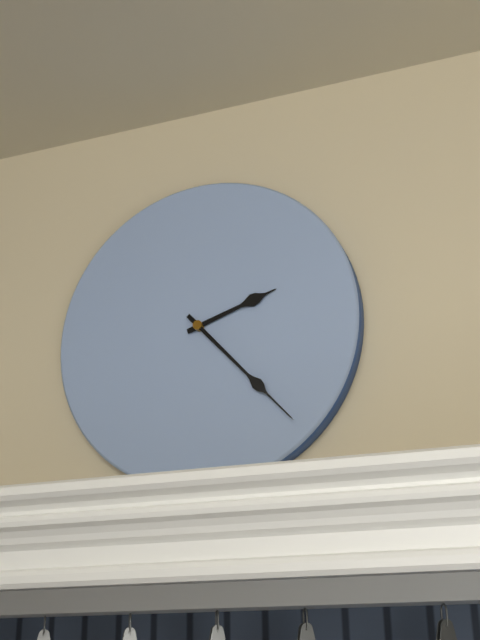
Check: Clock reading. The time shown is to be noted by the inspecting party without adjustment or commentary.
2:23
